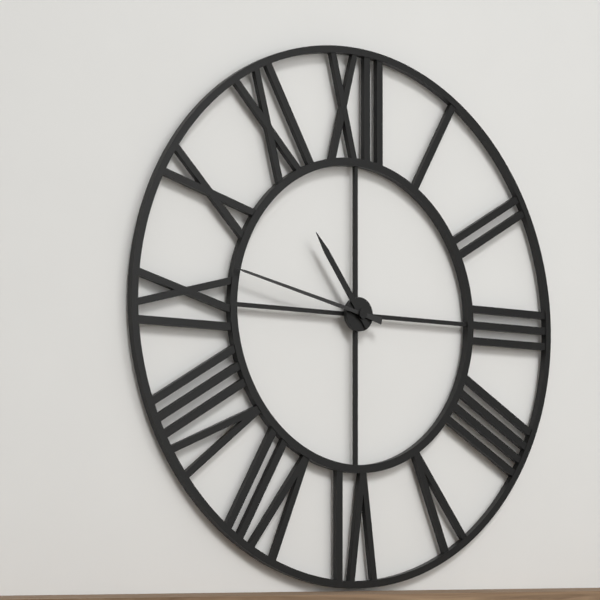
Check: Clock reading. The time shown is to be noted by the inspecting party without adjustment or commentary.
10:47
